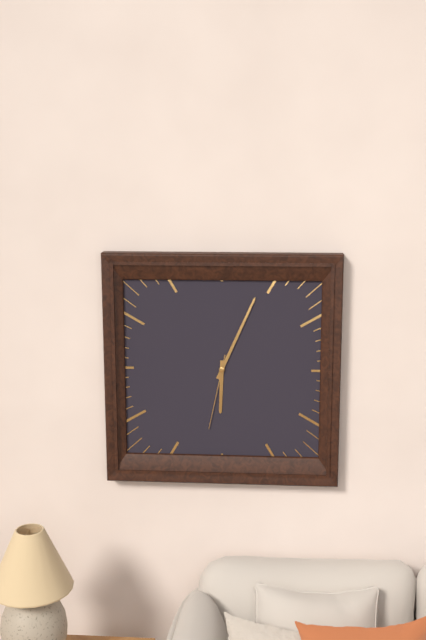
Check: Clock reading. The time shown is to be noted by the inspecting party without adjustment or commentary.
6:04:32
